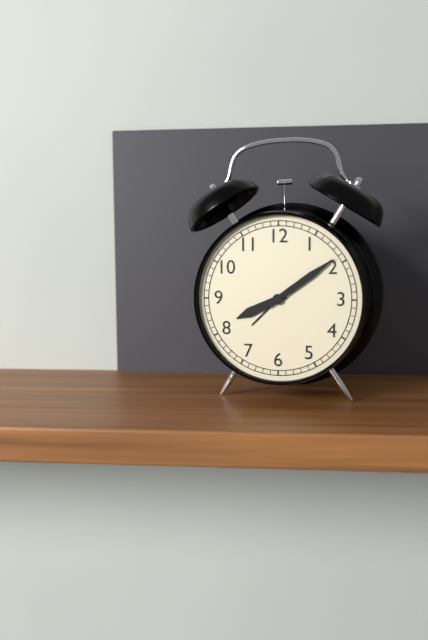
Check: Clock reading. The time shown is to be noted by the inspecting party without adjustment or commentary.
8:09
